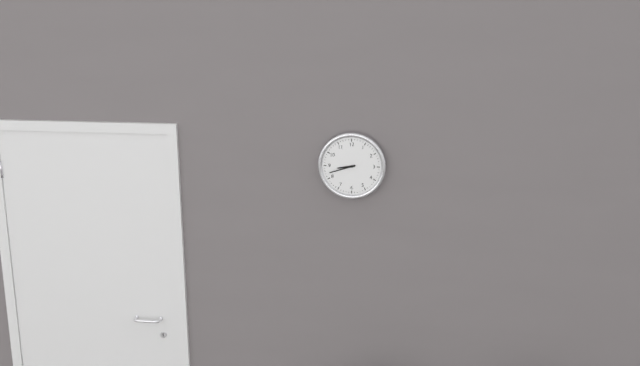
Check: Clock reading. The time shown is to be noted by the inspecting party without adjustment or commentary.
8:42
